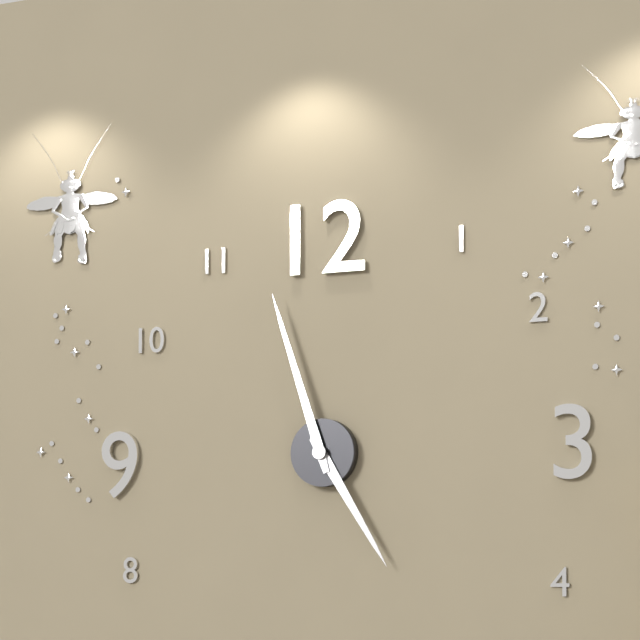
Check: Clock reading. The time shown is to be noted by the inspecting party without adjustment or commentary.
4:57
